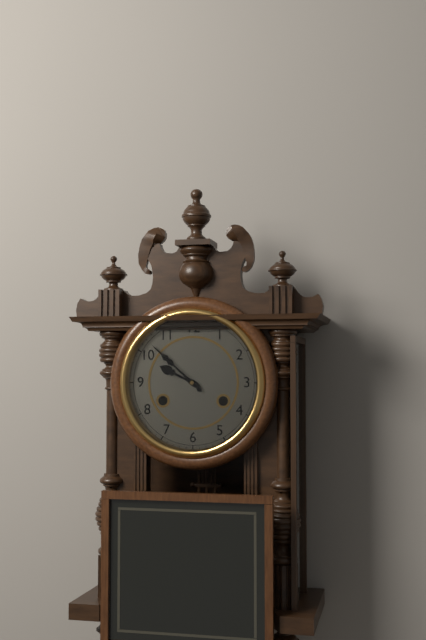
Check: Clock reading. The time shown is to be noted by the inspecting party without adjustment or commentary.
9:52
